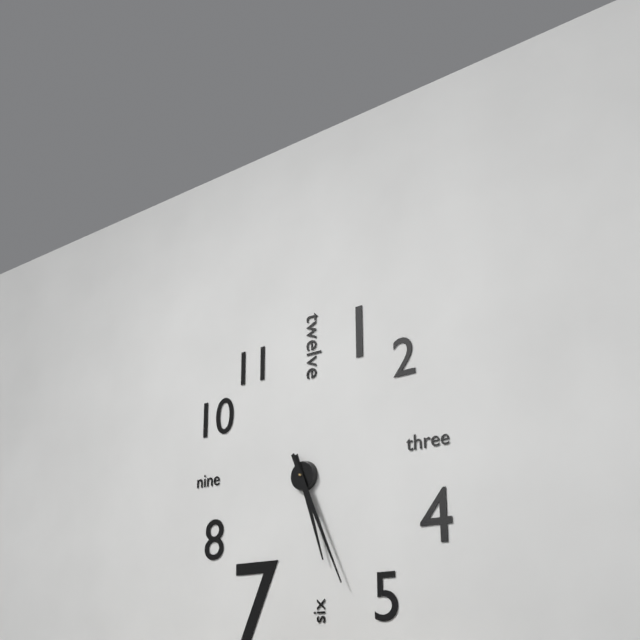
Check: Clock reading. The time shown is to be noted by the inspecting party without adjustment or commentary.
5:26
